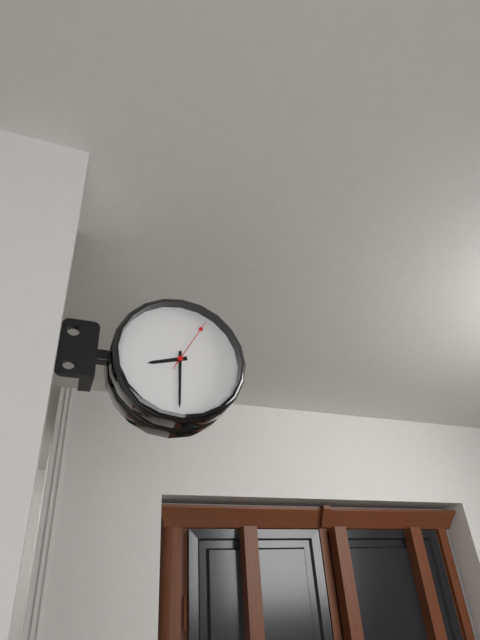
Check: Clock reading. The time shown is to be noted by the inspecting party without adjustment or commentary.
8:30:05
